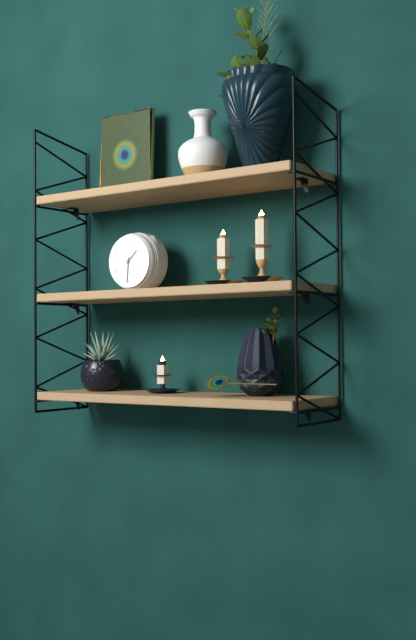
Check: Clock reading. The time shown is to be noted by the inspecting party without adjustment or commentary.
1:31
